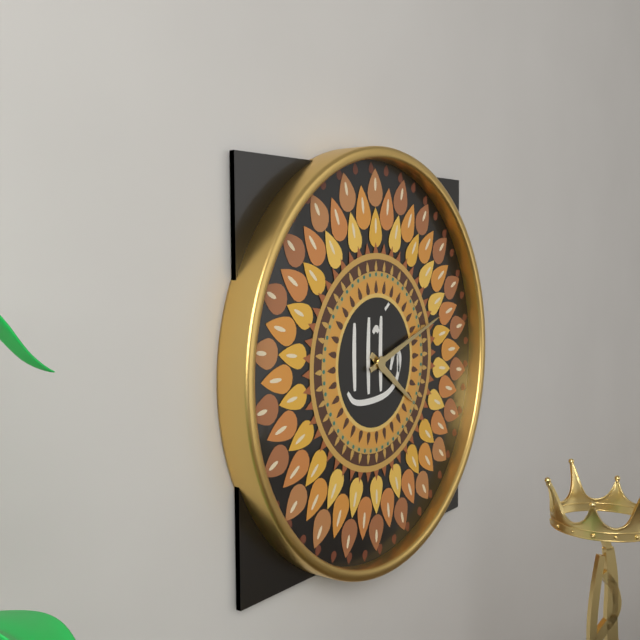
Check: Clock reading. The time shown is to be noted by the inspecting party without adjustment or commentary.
4:12
